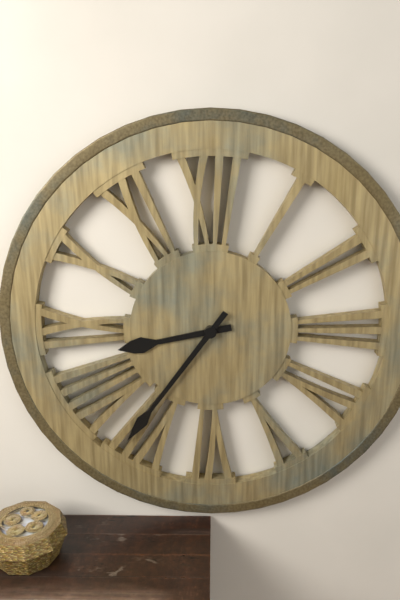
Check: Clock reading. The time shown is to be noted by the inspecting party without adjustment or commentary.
8:36
